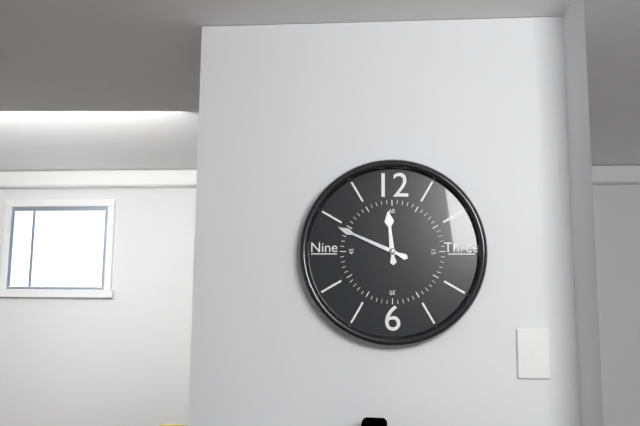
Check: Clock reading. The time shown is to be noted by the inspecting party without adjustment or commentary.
11:49
